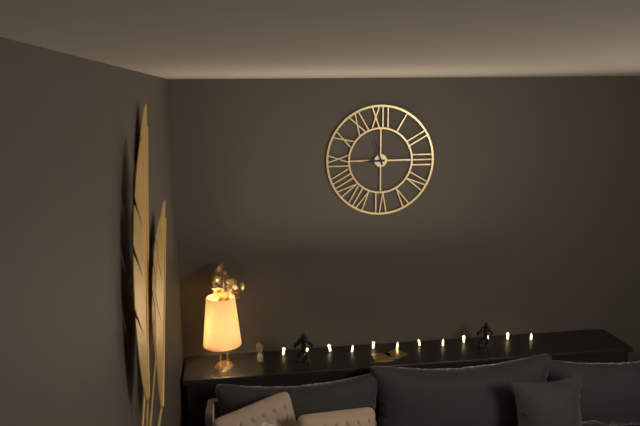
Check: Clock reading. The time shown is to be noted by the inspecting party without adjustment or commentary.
8:57
